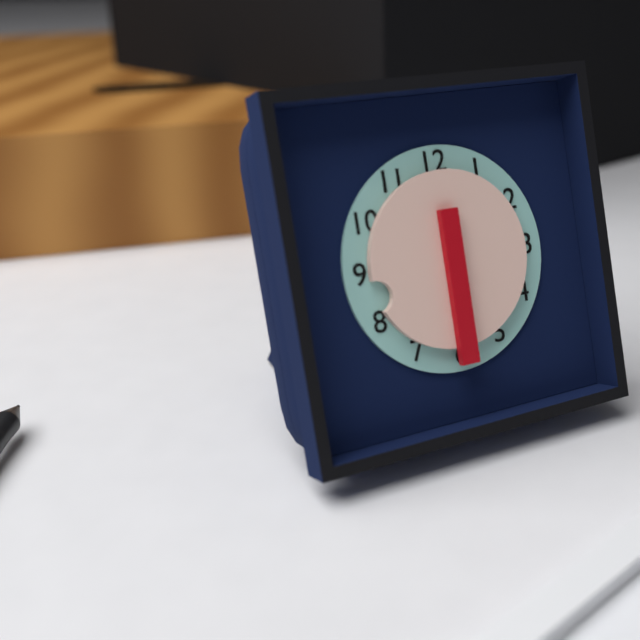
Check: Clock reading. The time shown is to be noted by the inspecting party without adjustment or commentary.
8:30
